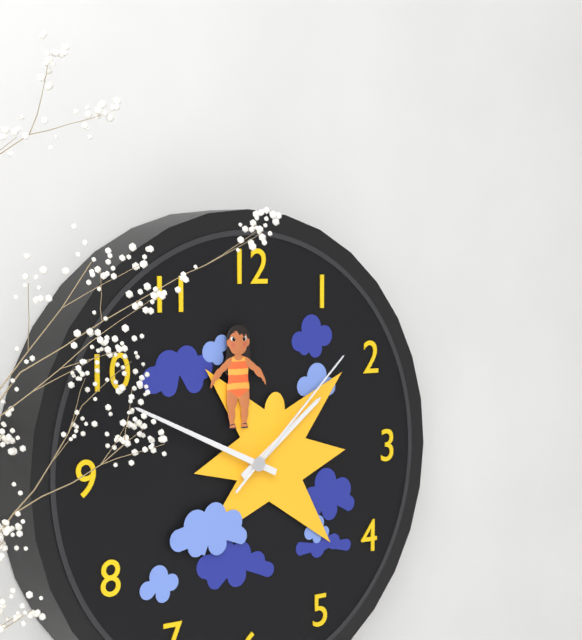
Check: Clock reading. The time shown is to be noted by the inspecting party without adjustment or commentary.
1:49:08
